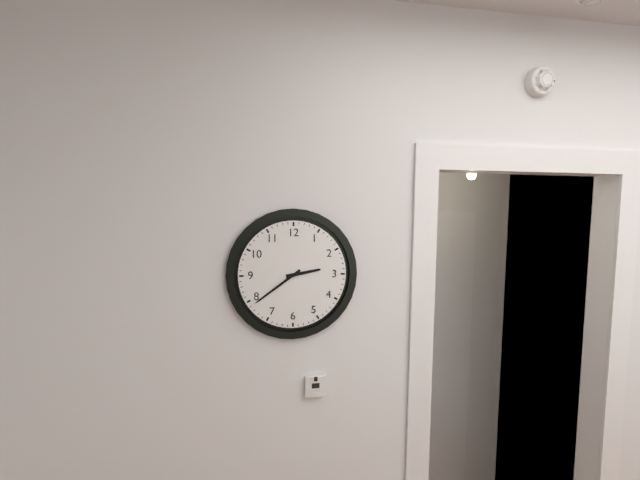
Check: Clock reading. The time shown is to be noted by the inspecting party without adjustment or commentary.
2:39
